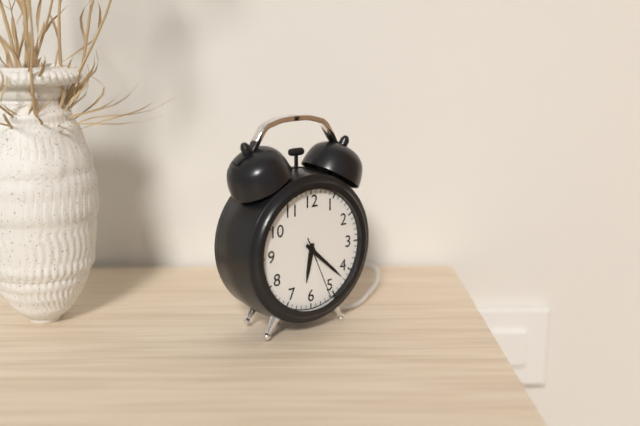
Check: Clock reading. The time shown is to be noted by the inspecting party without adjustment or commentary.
6:22:26
